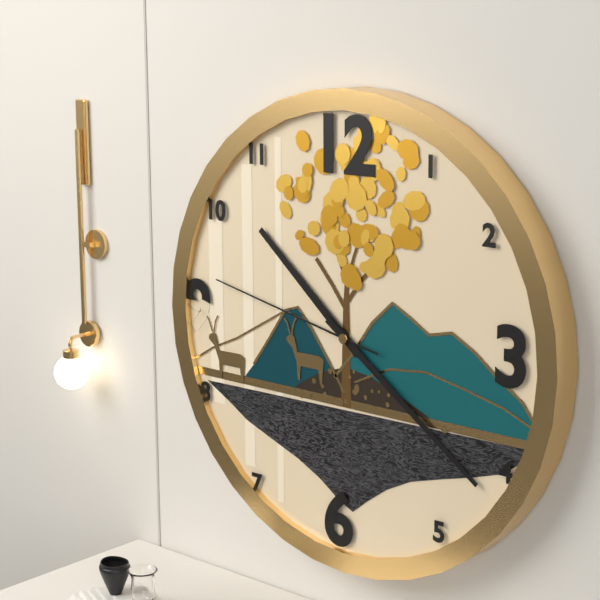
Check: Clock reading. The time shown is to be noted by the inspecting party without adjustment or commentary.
10:21:47
